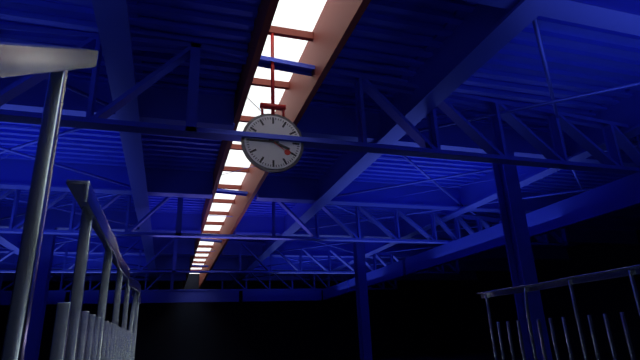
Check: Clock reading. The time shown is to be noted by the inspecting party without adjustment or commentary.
3:45
